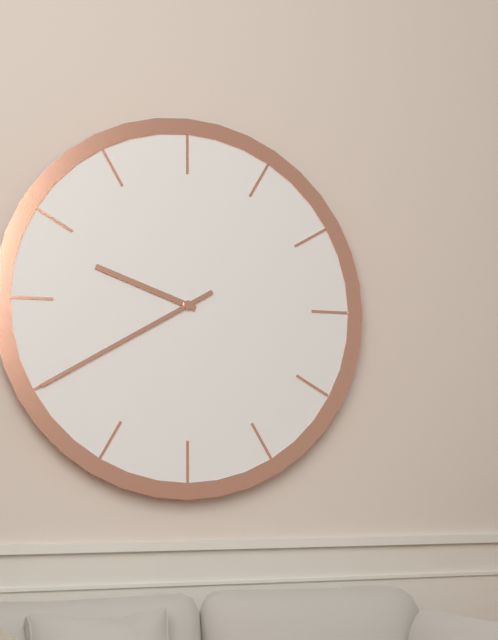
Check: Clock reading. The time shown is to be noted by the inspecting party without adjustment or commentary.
9:40
